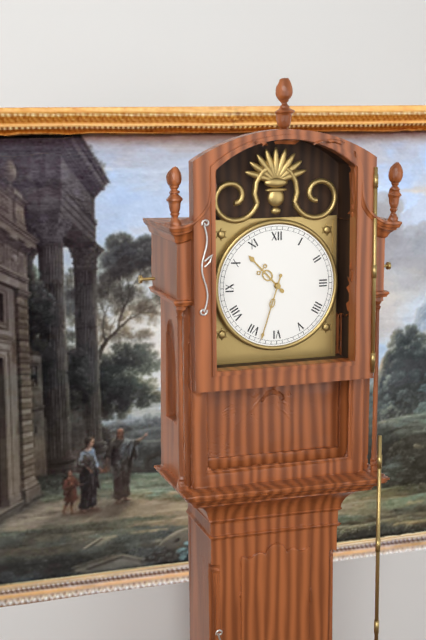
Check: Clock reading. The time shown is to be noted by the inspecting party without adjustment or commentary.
10:33
